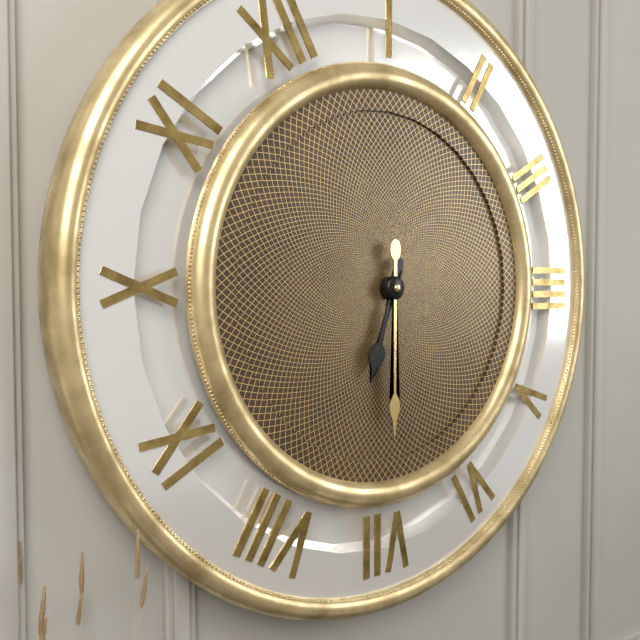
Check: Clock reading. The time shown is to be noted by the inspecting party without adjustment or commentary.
7:35
